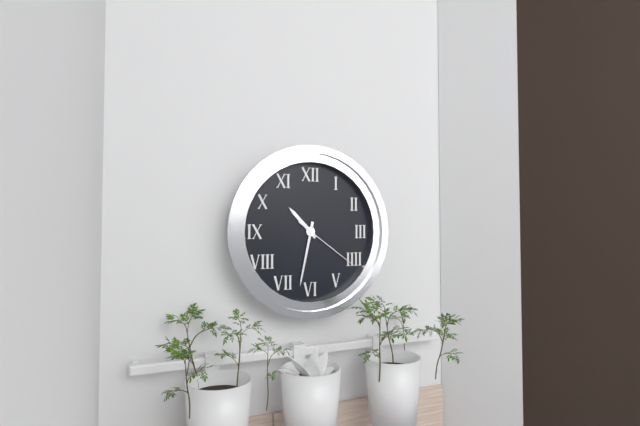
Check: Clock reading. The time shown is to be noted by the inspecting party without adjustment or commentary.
10:32:21
